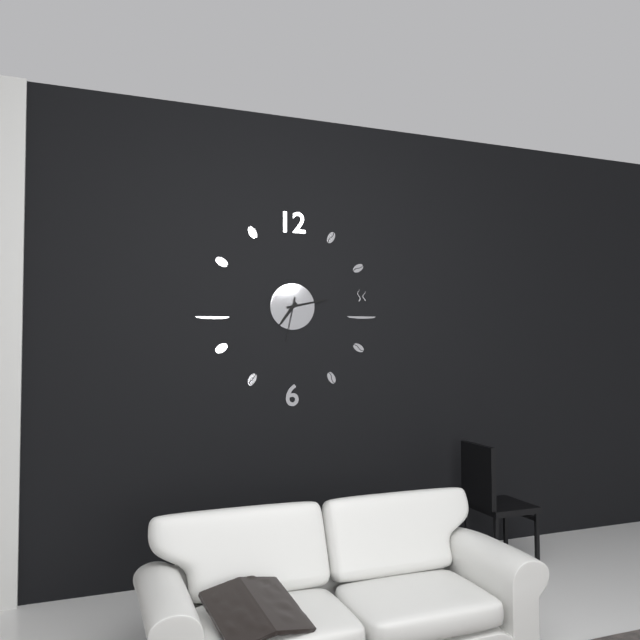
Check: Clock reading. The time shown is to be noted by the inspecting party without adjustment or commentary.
7:13
